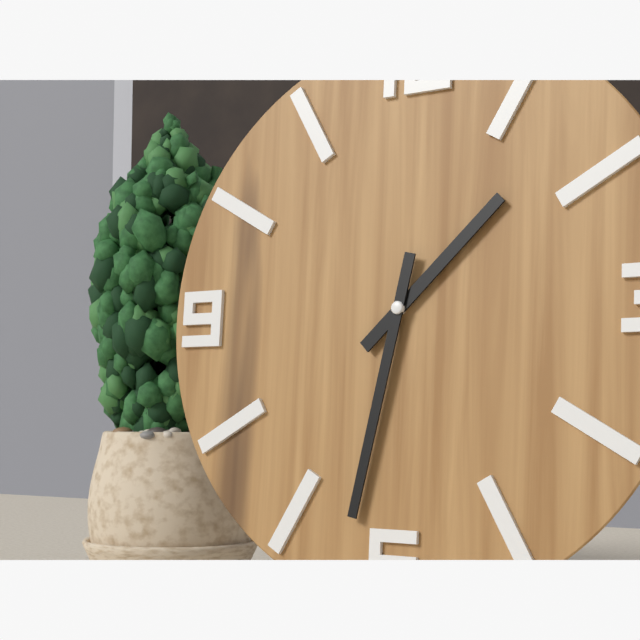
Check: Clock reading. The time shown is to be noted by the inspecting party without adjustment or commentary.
1:32
